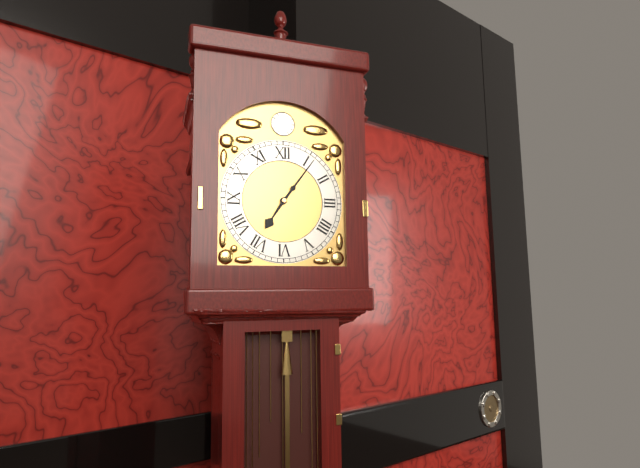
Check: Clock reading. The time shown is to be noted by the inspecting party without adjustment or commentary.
7:06
